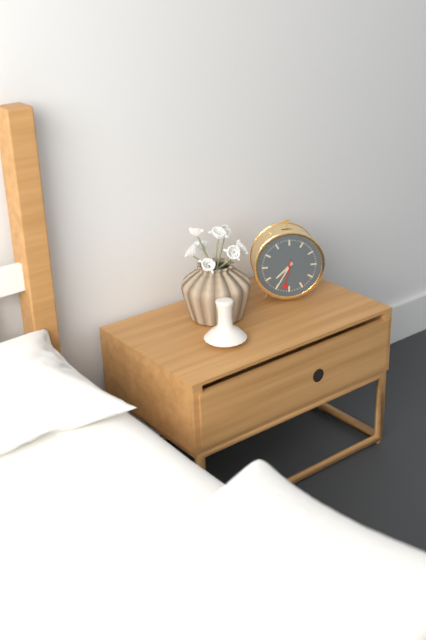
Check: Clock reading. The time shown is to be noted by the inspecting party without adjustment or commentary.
7:35
